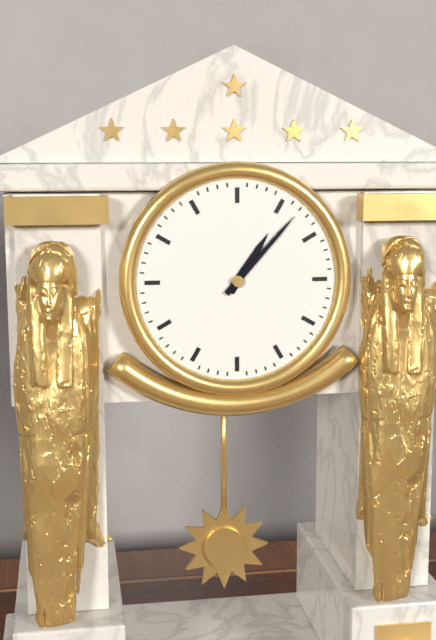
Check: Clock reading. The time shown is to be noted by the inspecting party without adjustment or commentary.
1:07
